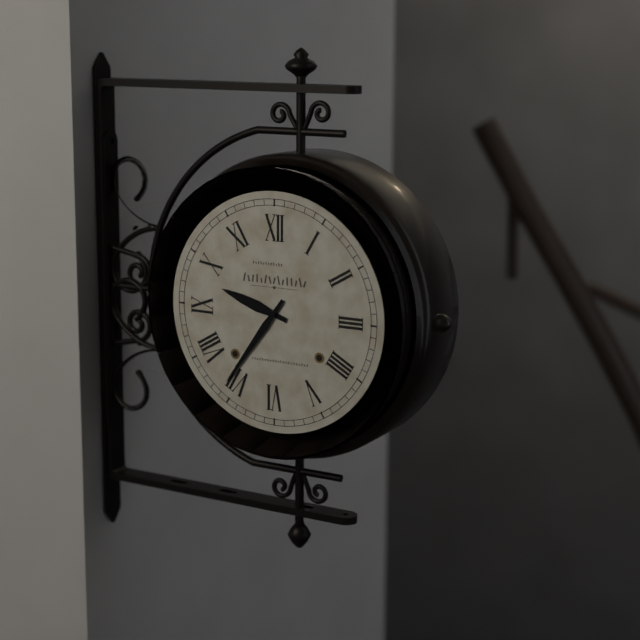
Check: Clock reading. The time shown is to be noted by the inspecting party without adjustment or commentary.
9:36
